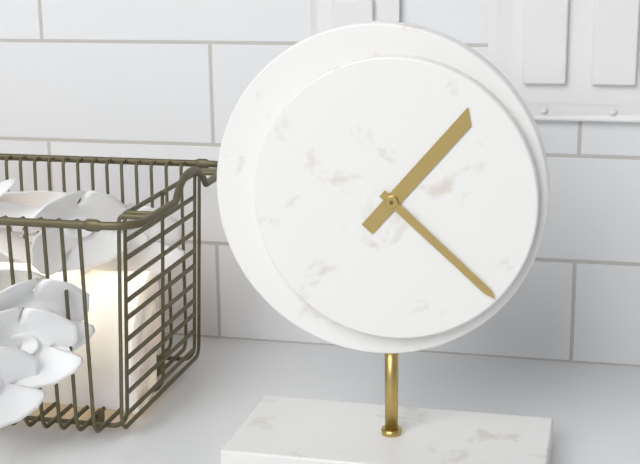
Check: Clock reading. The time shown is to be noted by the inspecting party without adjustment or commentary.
1:22
